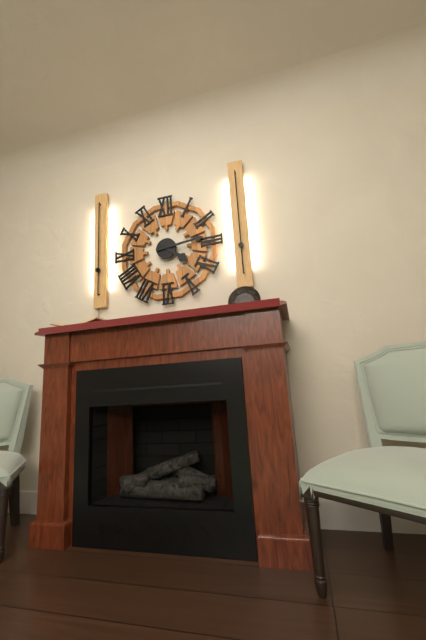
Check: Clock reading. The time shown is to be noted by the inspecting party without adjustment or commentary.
4:14
